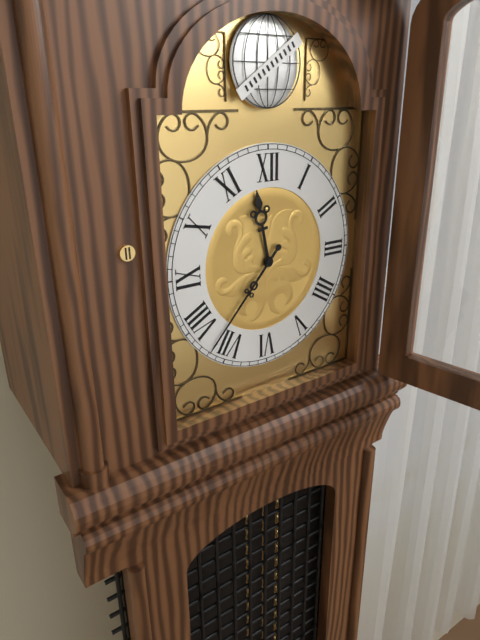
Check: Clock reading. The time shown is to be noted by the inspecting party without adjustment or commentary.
11:37
